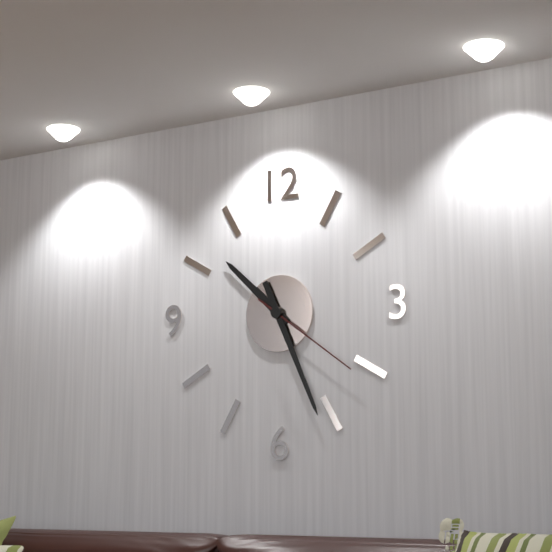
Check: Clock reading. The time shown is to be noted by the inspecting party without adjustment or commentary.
10:26:21
